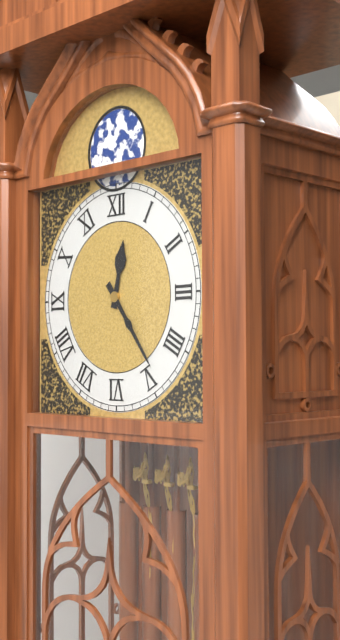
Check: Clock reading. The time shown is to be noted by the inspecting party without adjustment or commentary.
12:24
